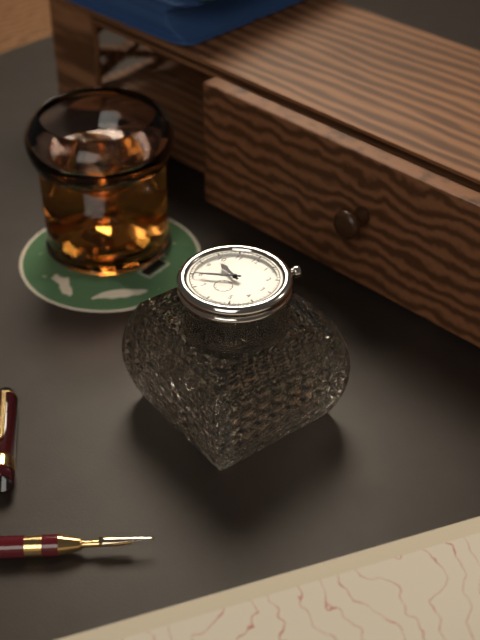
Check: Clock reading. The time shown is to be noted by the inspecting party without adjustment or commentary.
9:40
